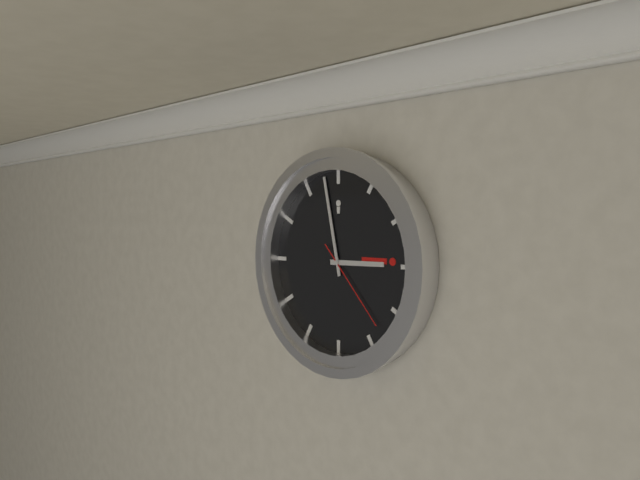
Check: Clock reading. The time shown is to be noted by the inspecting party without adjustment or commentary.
2:58:23
